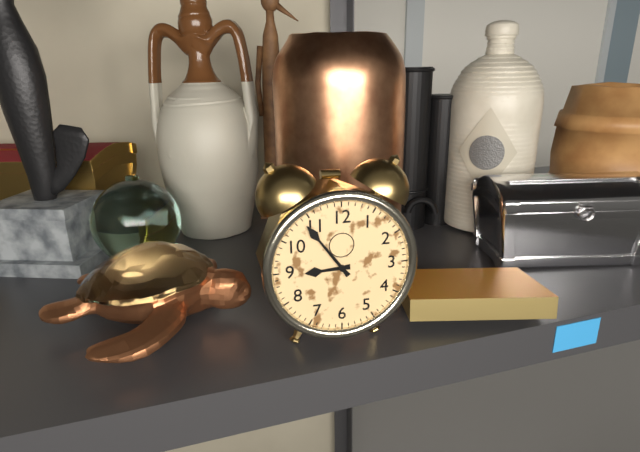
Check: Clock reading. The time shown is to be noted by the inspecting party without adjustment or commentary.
8:54
